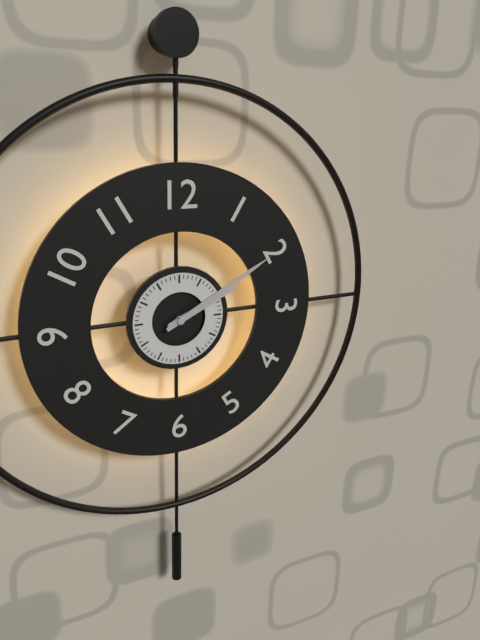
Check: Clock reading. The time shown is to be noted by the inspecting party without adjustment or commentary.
2:10
